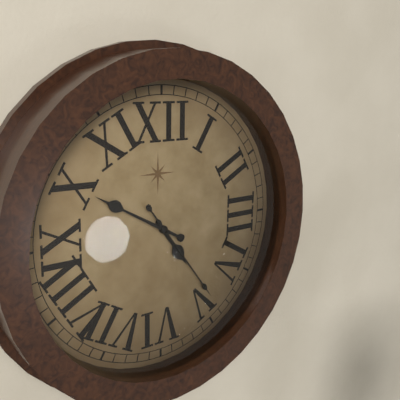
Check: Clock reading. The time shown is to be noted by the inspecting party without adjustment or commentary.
4:50:24
